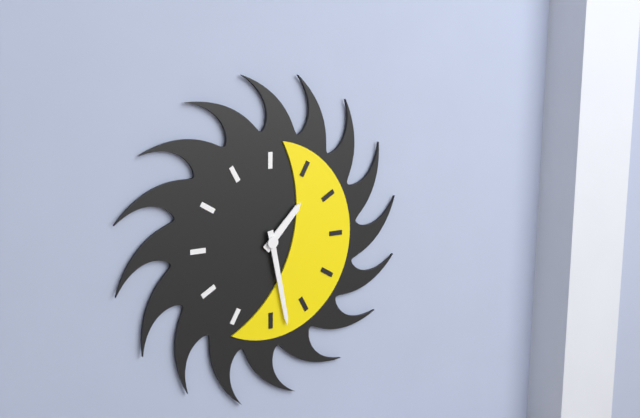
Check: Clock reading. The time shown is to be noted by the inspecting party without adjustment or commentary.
1:28
